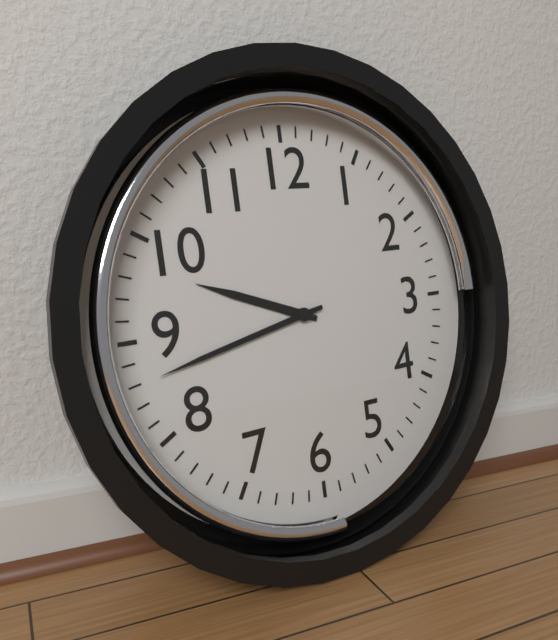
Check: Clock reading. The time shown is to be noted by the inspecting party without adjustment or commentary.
9:43
